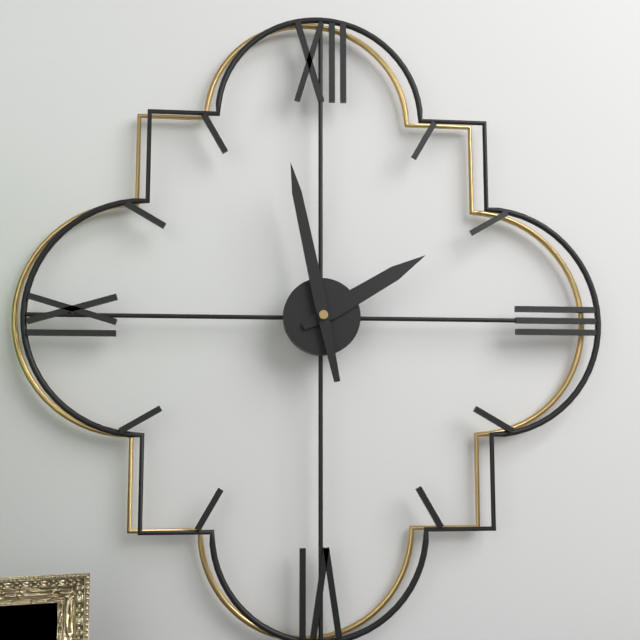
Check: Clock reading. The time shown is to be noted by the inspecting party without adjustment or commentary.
1:58
